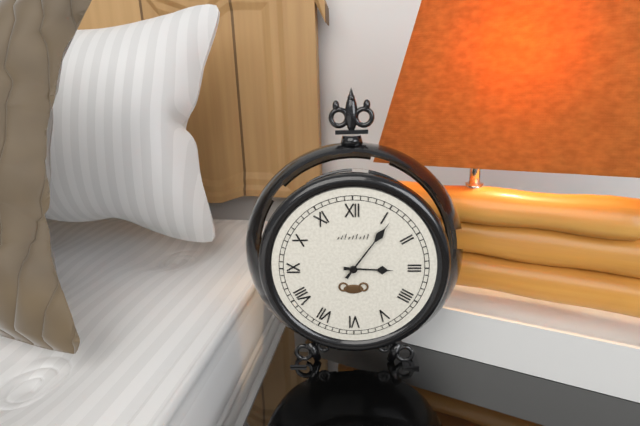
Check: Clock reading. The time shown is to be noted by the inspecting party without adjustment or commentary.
3:06
